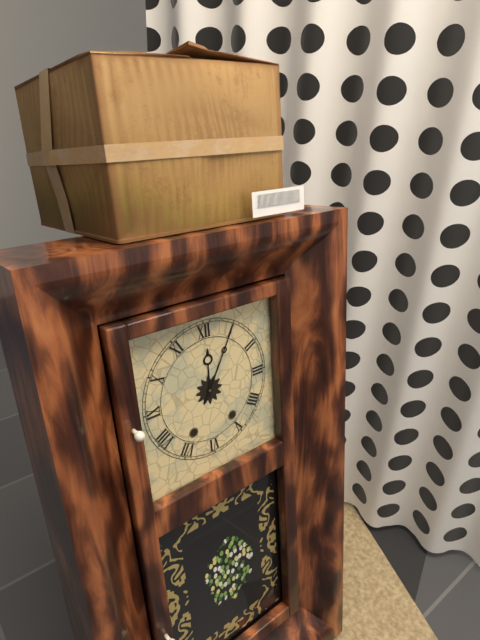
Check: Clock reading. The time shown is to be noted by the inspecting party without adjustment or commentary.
12:05
